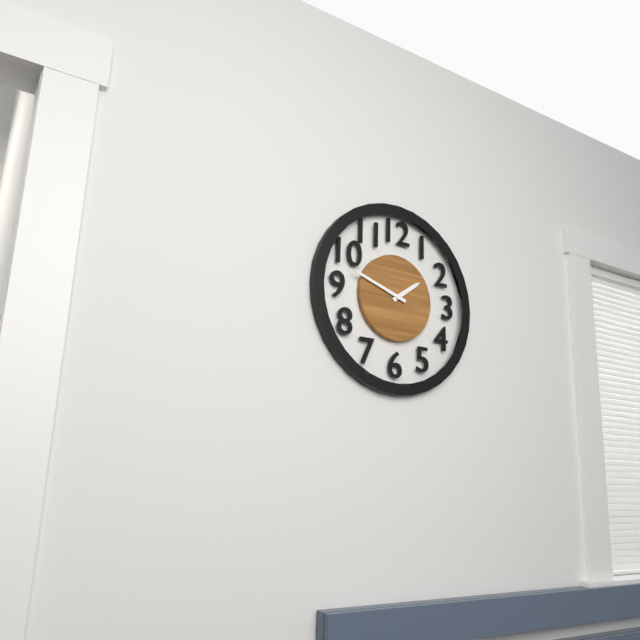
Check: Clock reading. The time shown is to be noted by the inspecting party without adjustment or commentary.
1:48
